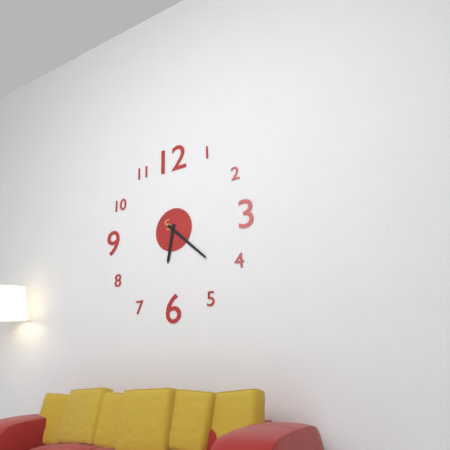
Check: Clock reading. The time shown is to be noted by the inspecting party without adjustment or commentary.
6:22
